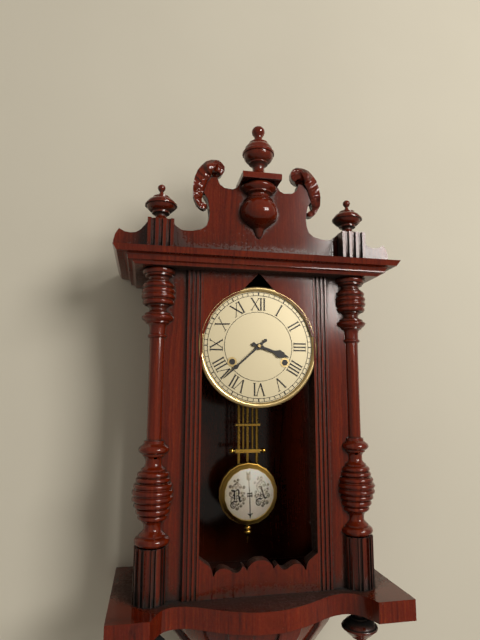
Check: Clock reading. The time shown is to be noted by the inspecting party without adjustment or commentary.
3:38
